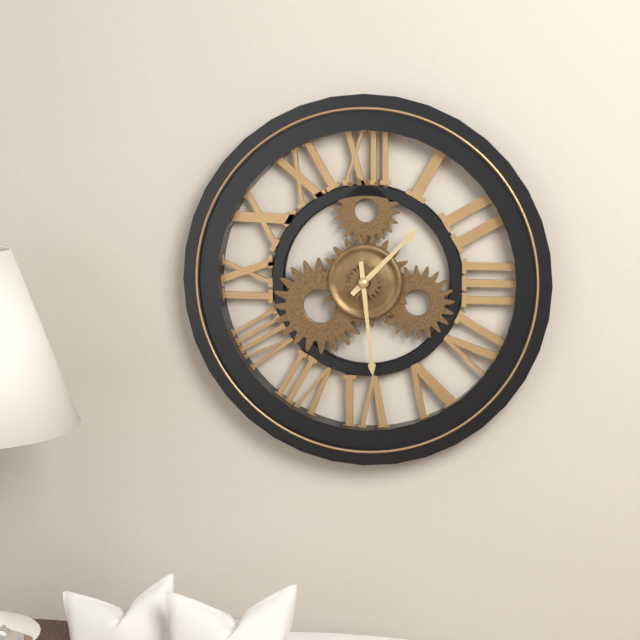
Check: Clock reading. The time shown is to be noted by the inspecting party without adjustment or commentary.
1:29
